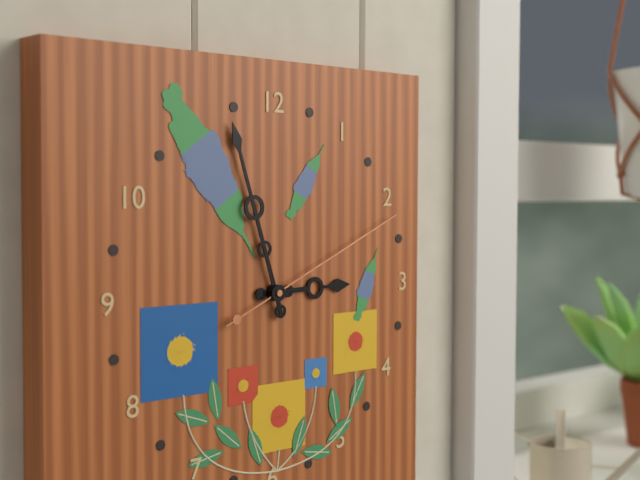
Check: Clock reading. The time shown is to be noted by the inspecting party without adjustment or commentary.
2:57:11
